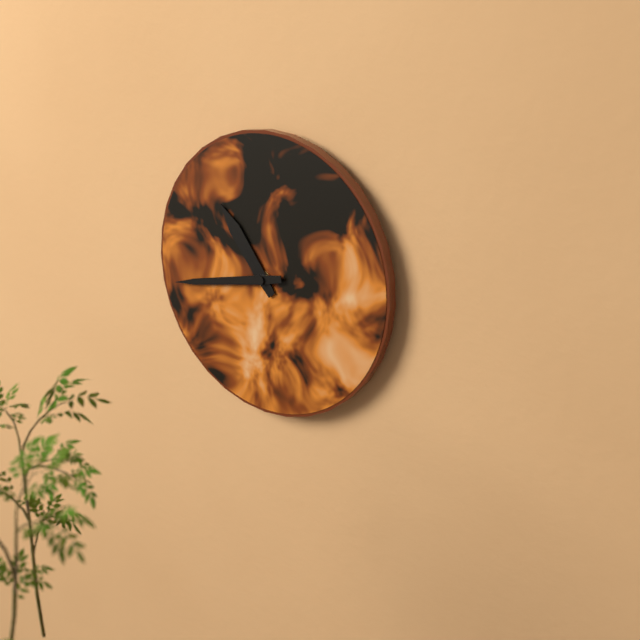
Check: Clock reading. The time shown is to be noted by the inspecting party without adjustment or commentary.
10:43
